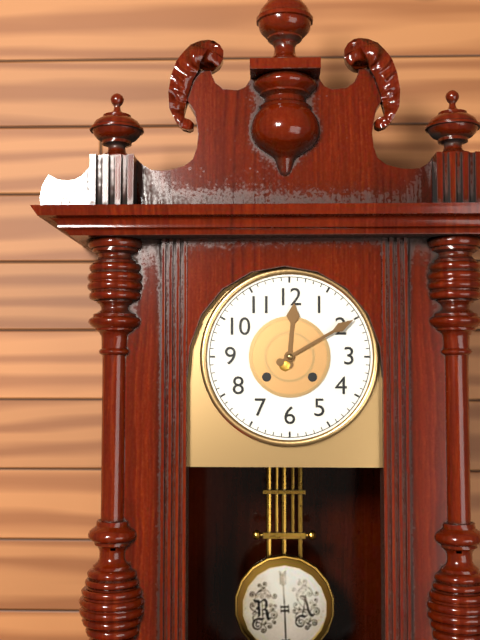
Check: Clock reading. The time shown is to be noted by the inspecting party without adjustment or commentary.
12:10
